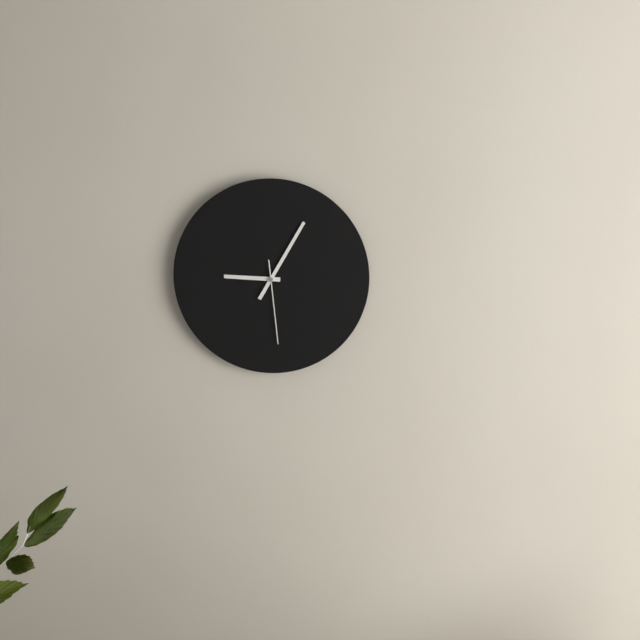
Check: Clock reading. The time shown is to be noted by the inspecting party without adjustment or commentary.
9:05:29
